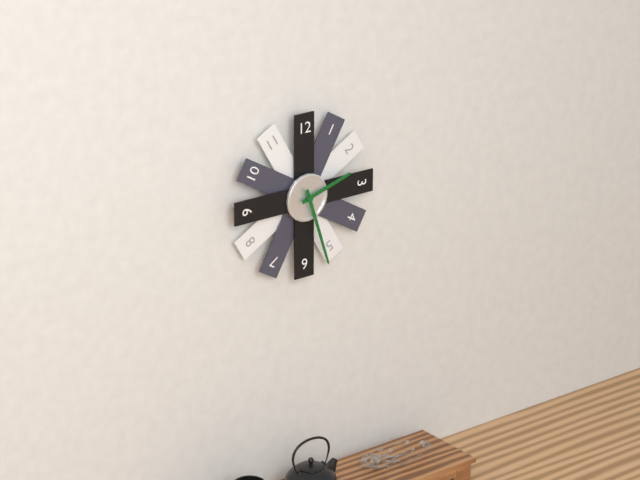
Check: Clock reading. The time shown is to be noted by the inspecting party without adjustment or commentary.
2:27
